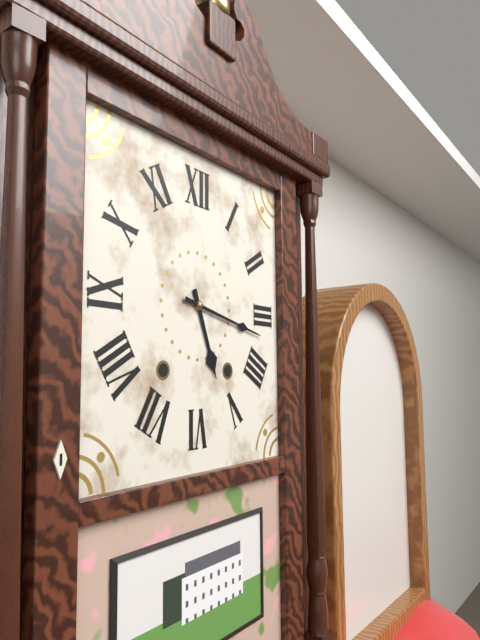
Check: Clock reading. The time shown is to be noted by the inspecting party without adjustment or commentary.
5:17
